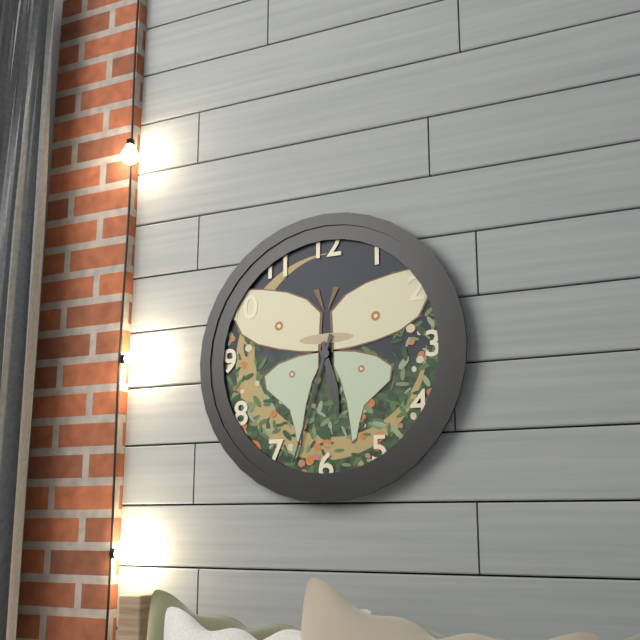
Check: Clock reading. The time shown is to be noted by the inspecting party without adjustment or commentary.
5:33
